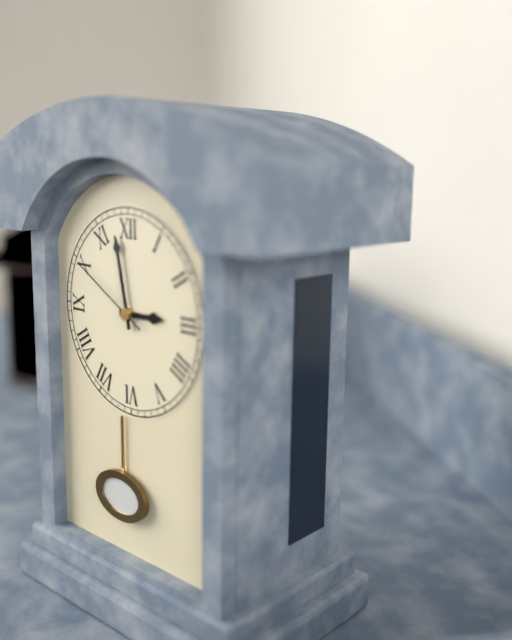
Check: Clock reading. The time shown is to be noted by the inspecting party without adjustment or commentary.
2:58:50
